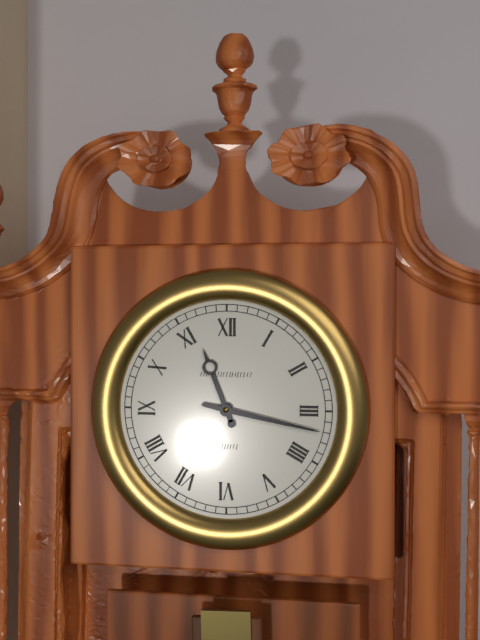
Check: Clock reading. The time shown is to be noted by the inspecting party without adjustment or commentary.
11:17
